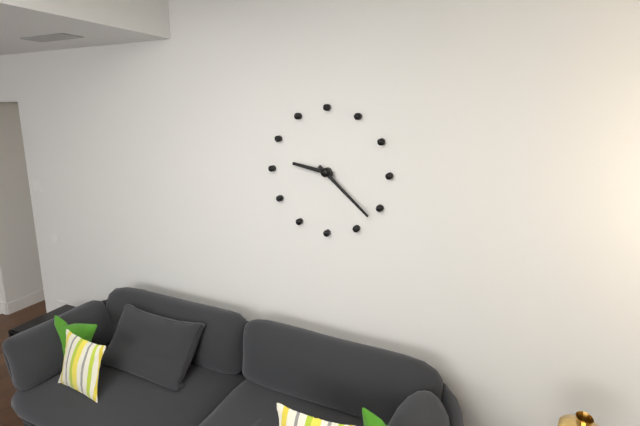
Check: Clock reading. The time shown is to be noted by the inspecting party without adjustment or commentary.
9:22
